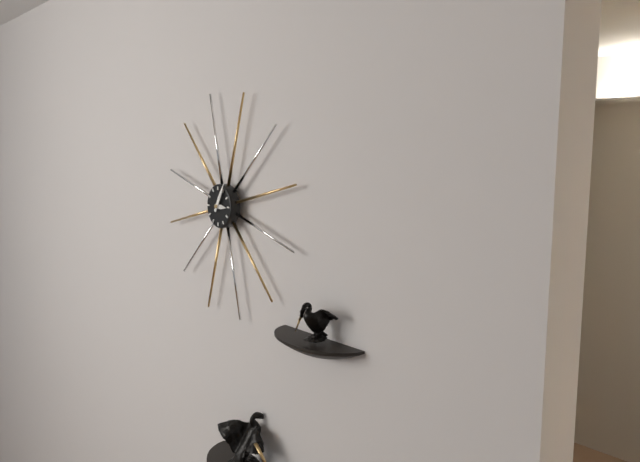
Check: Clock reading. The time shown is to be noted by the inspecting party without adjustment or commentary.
3:05
